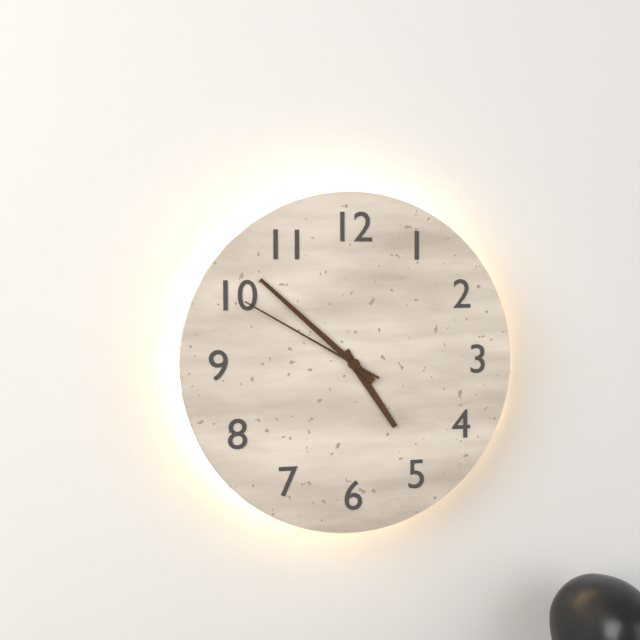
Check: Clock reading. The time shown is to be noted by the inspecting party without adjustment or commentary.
4:52:50
